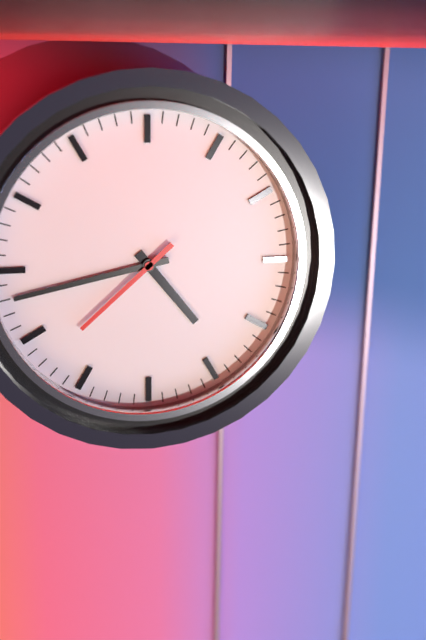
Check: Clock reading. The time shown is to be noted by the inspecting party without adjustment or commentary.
4:43:38
